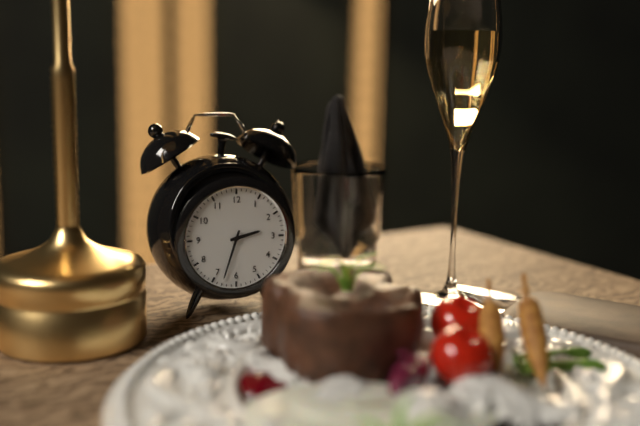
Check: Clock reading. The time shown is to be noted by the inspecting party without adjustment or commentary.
2:33
